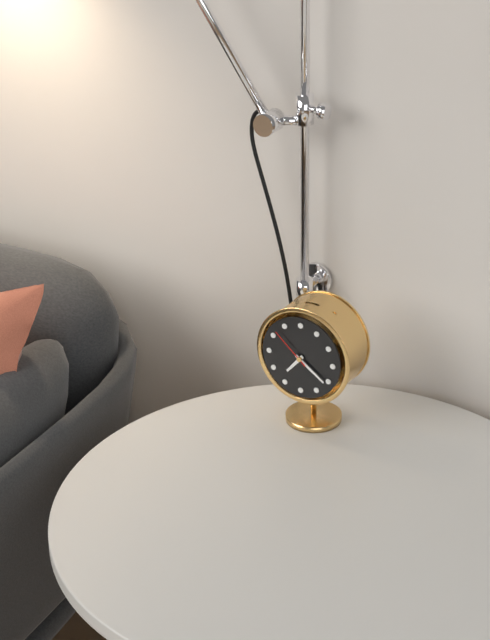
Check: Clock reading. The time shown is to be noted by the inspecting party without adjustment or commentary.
7:21
